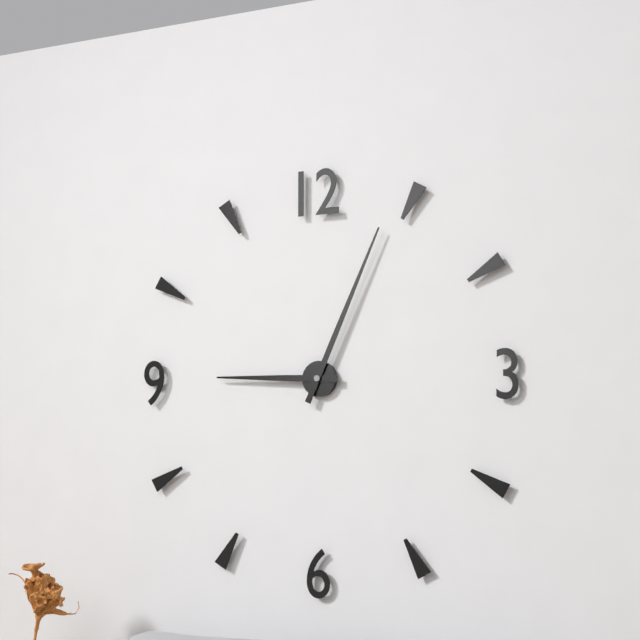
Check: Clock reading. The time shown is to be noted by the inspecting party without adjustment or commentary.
9:04
